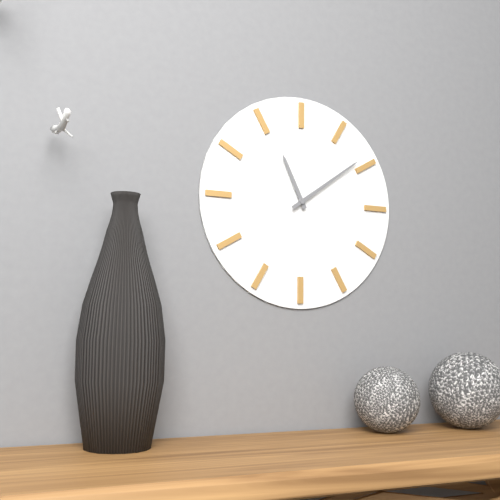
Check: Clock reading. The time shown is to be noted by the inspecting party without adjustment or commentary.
11:09
